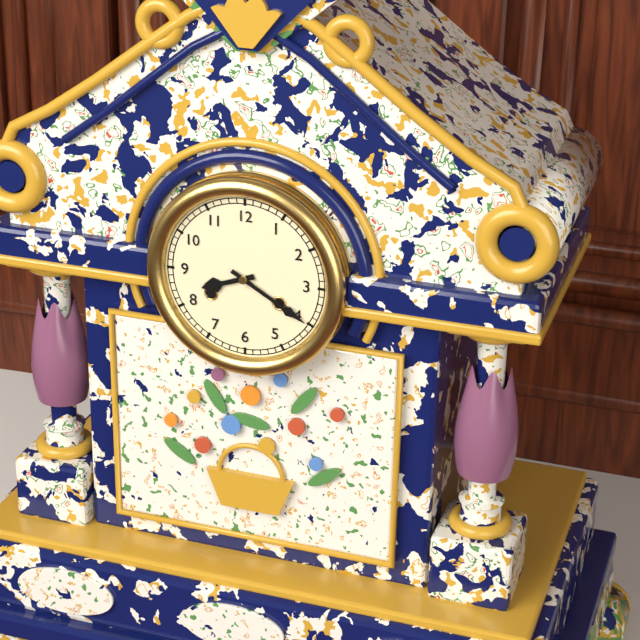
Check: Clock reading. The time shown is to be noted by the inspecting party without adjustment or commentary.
8:20
